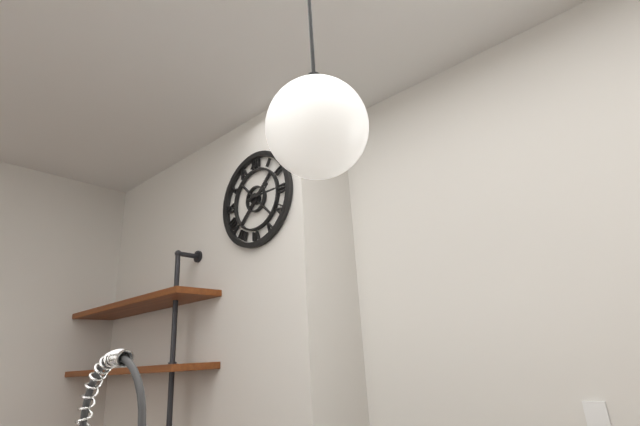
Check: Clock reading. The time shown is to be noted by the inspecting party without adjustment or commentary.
2:15
